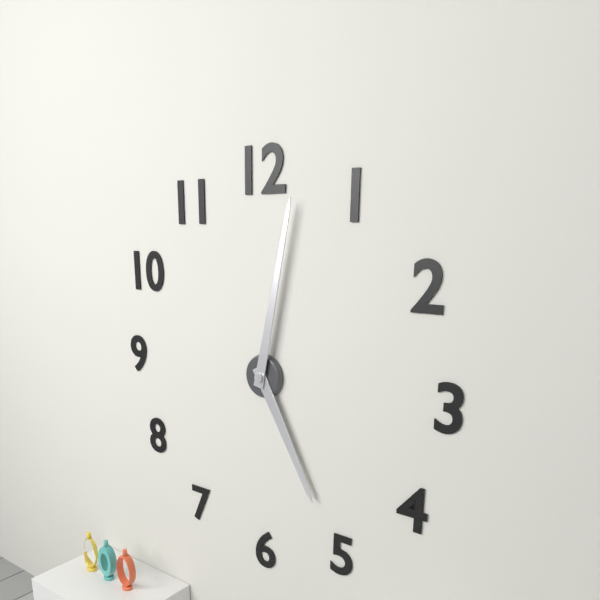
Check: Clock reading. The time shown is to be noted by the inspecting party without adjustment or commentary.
5:02
